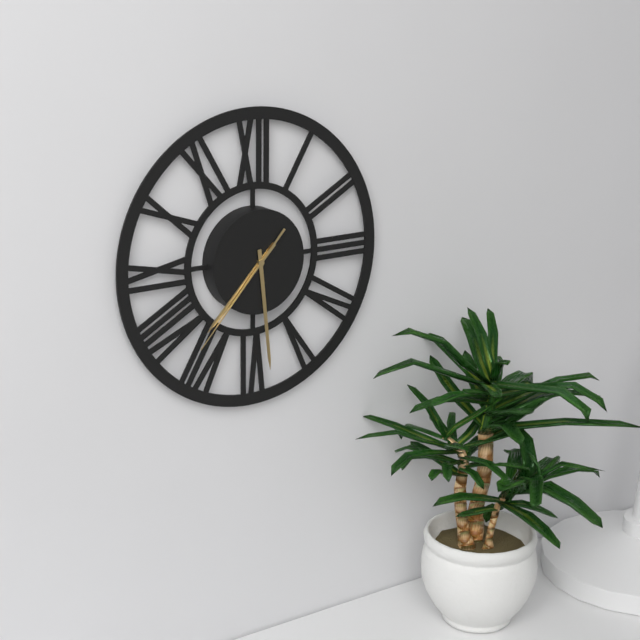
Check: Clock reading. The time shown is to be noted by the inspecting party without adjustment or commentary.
7:29:37
